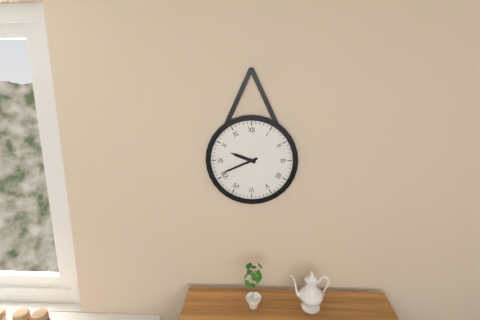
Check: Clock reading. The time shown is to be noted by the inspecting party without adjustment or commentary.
9:41
